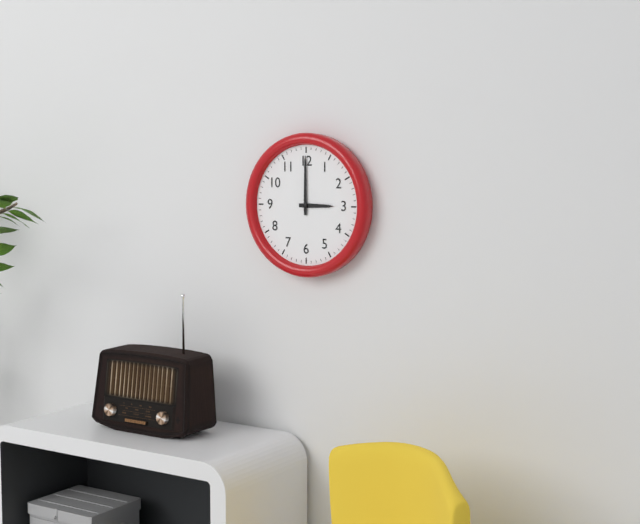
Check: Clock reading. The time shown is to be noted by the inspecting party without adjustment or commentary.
3:00
